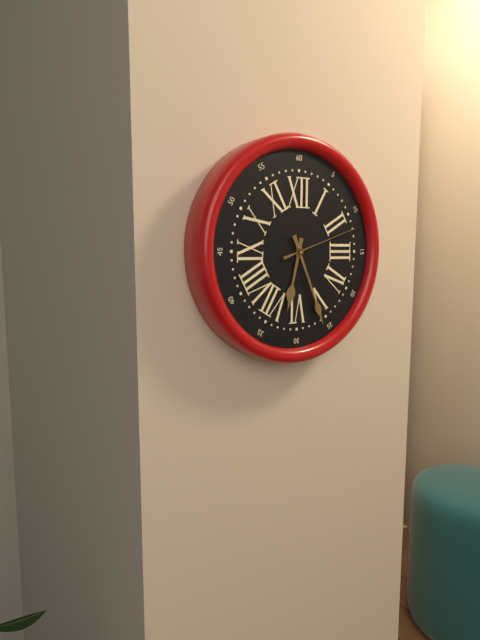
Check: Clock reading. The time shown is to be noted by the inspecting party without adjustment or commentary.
6:26:12
